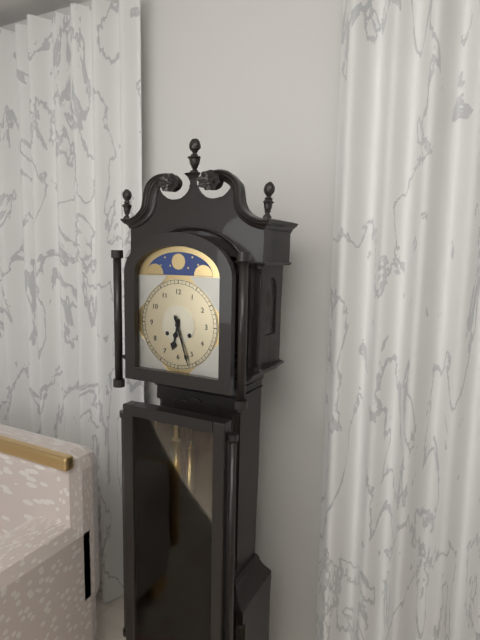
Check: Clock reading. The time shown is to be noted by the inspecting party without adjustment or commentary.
6:27
